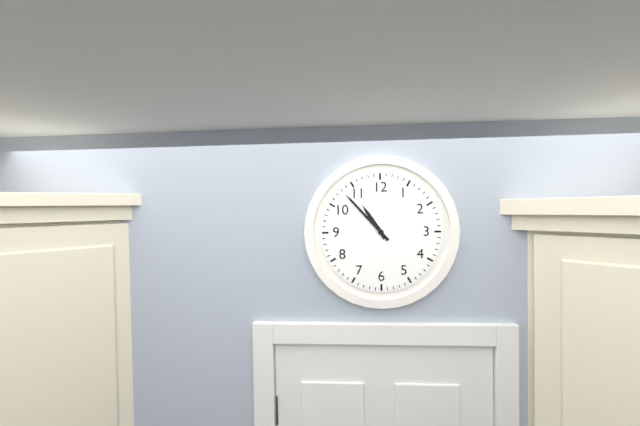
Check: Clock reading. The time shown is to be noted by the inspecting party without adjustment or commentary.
10:53
